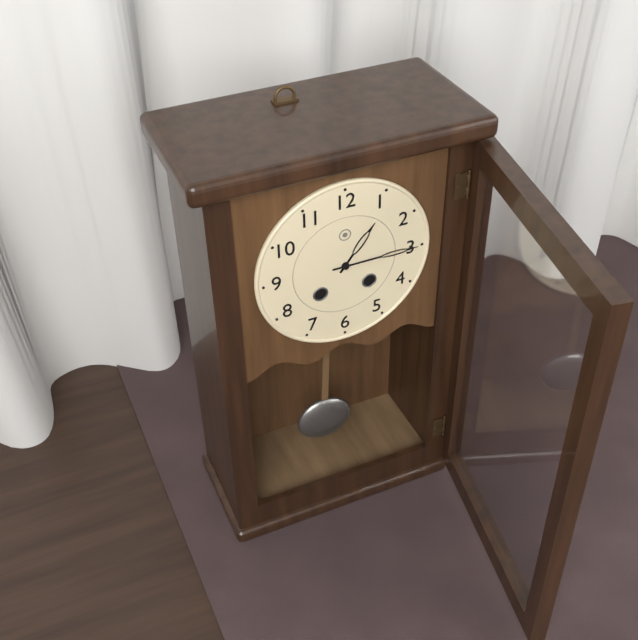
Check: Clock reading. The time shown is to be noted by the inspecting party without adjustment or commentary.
1:15
